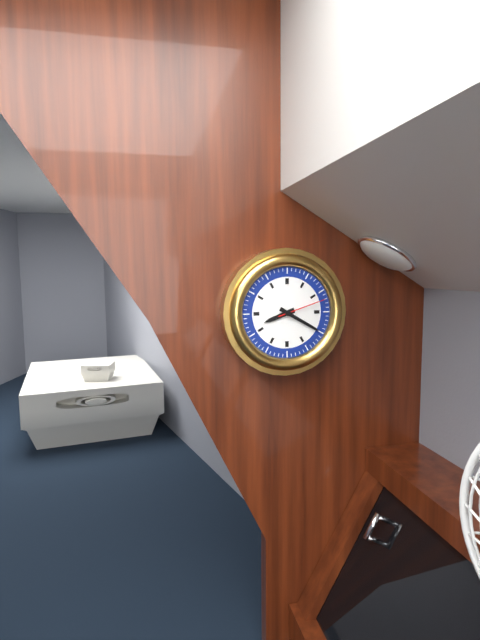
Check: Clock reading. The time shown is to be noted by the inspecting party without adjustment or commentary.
8:20
